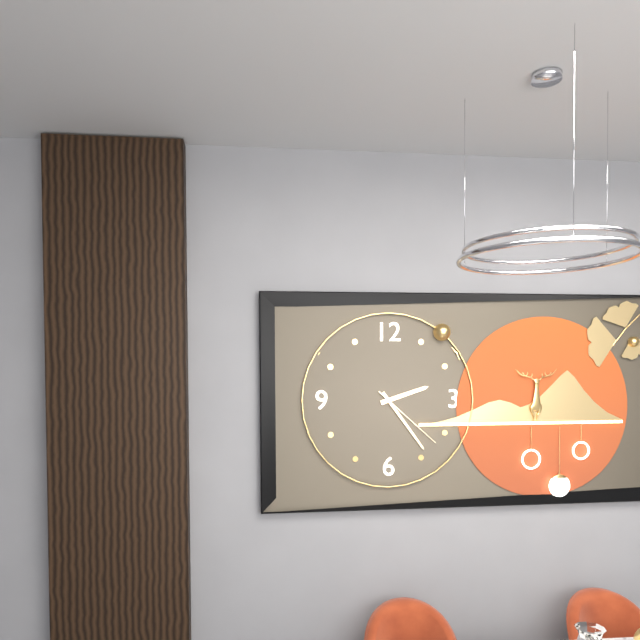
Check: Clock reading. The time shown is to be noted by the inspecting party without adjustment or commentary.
2:24:22
